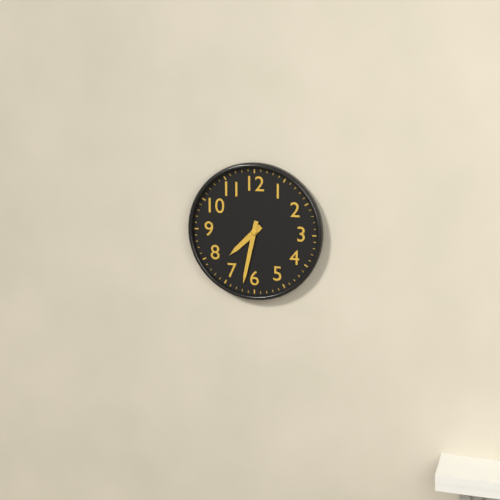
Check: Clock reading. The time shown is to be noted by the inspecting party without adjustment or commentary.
7:32
